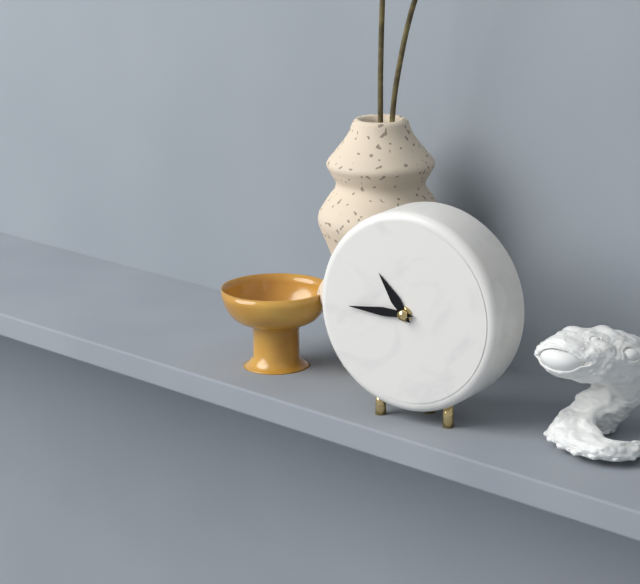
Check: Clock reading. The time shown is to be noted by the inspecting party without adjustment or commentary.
10:45
